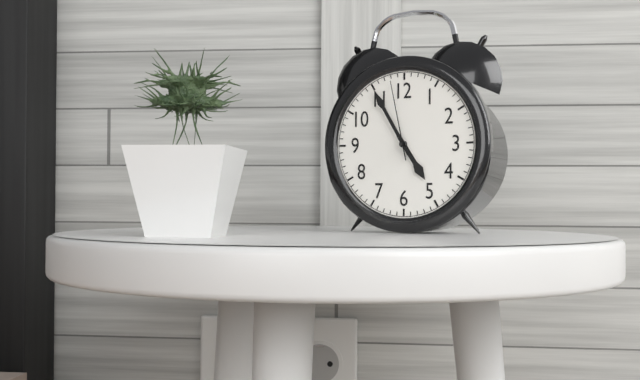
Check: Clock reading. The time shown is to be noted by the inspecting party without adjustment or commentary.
4:55:58
